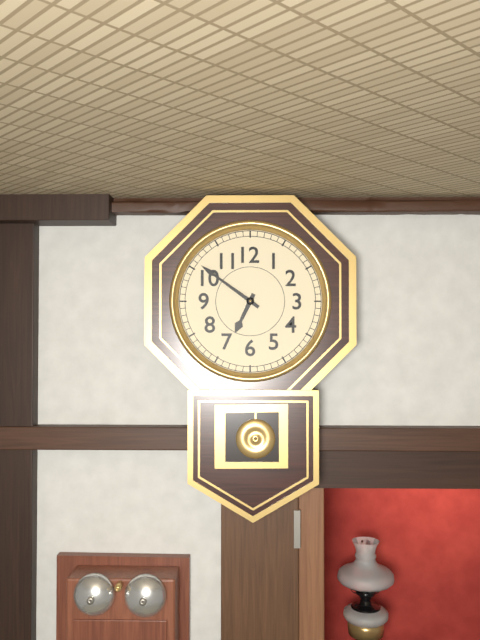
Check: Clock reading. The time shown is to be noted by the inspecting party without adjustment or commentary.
6:51
